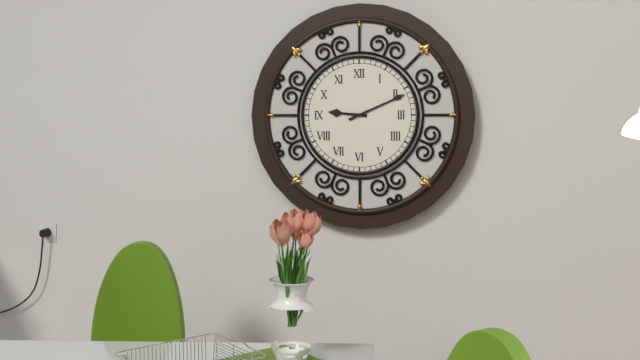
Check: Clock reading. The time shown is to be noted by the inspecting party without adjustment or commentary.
9:11
